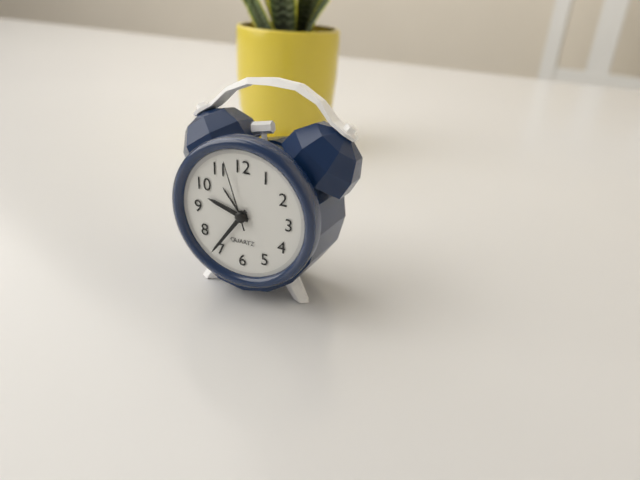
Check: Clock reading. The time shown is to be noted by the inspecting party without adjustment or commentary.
9:36:57
